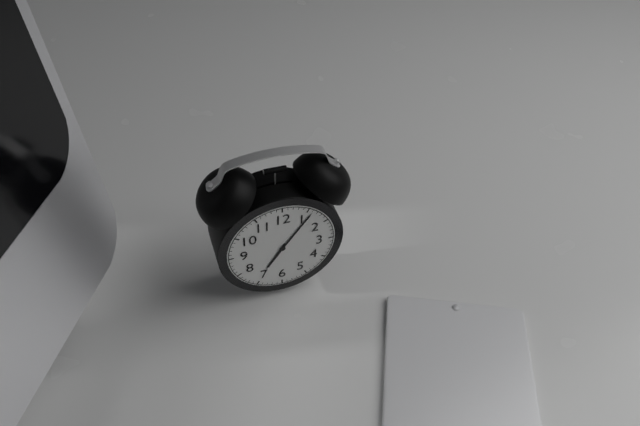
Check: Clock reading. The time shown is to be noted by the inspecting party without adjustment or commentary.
7:06
